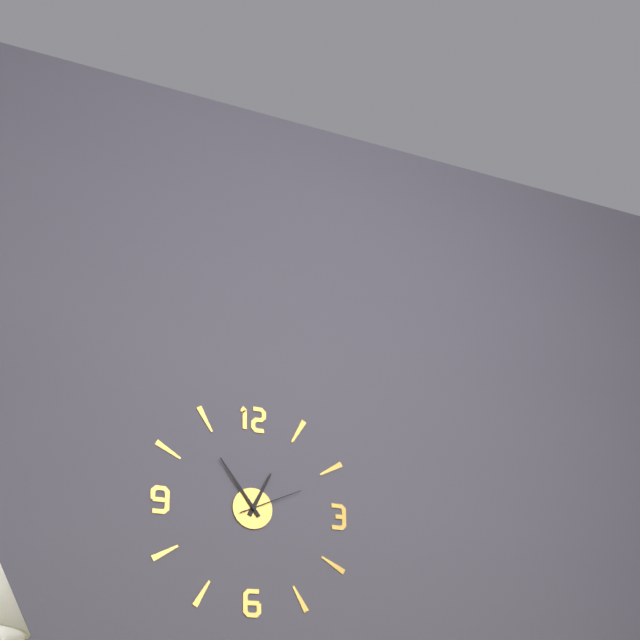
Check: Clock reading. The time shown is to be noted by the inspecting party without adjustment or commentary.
12:54:11
